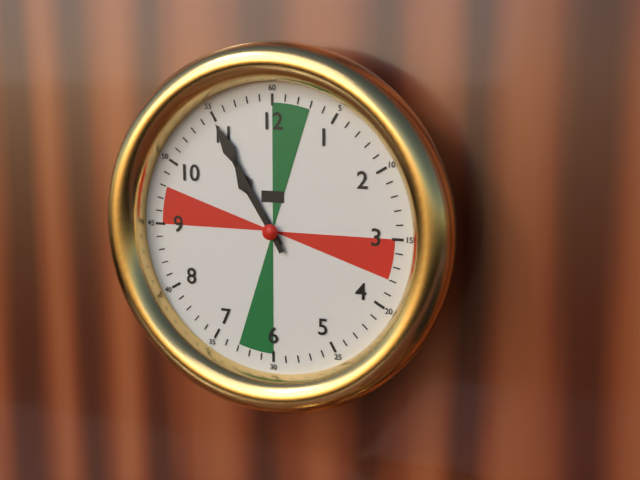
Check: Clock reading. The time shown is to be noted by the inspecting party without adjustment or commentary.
10:55
